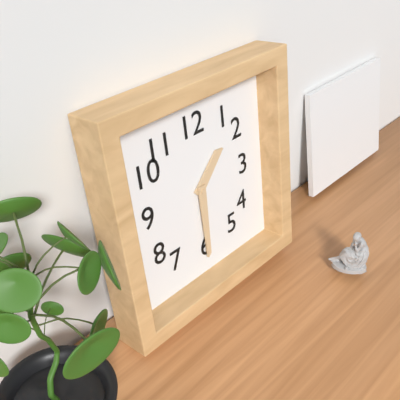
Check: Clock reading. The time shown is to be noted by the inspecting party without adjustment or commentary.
1:30
